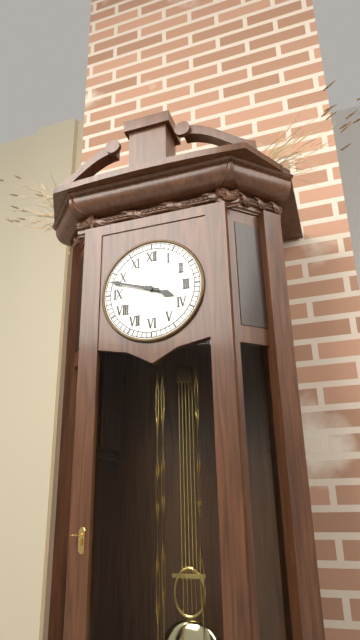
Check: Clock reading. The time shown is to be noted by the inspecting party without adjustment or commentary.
3:48
